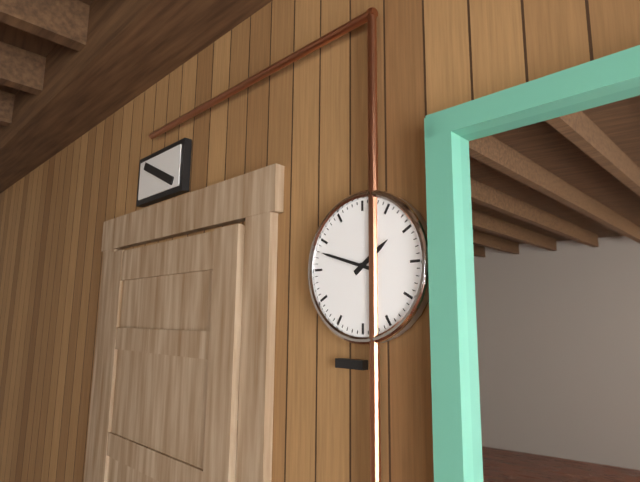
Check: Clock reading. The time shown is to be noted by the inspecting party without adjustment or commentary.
1:48
